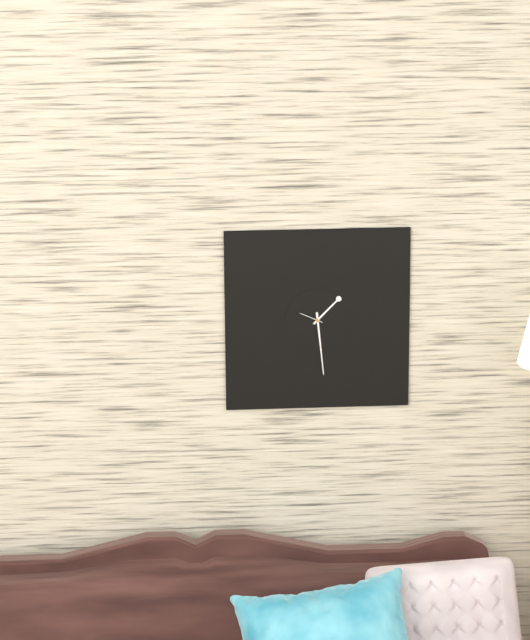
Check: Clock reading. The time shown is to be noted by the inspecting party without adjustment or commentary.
1:29
